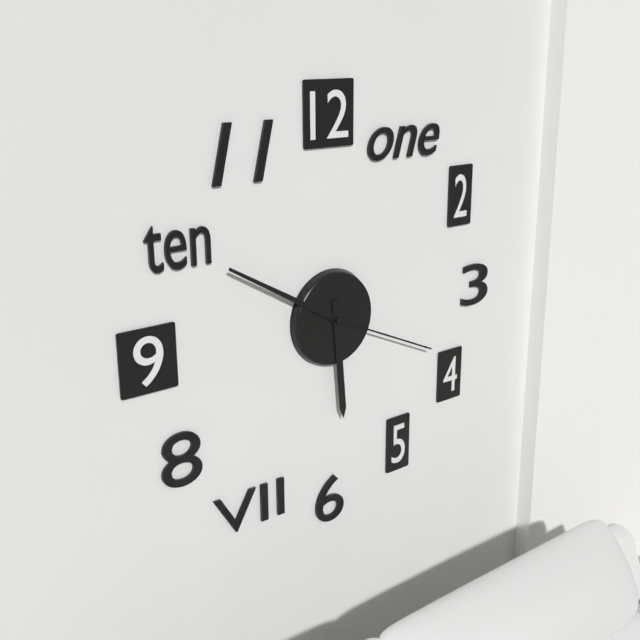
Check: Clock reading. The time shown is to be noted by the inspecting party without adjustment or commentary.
5:50:19
